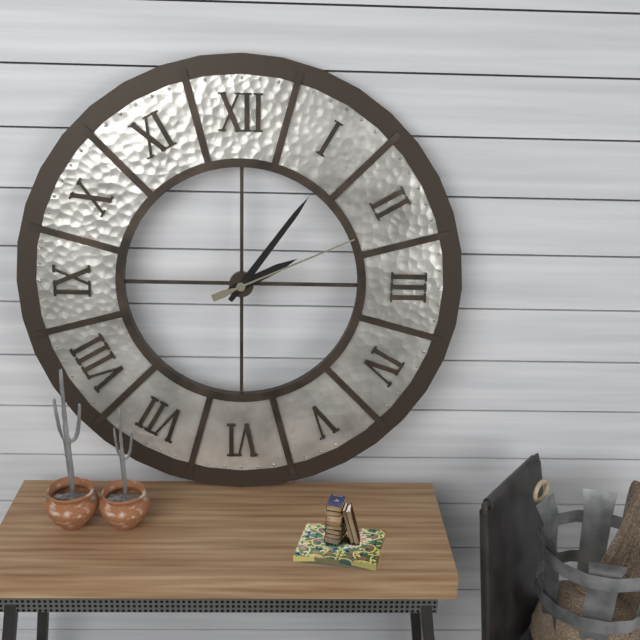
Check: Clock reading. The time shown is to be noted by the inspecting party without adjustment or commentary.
2:06:11
